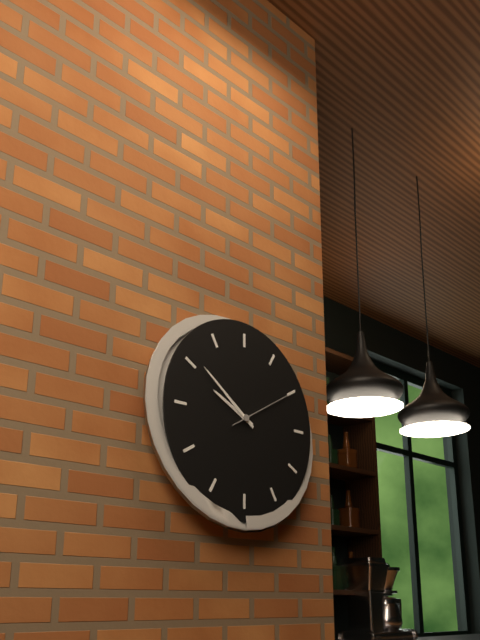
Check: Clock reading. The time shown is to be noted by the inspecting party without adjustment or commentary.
9:51:10
